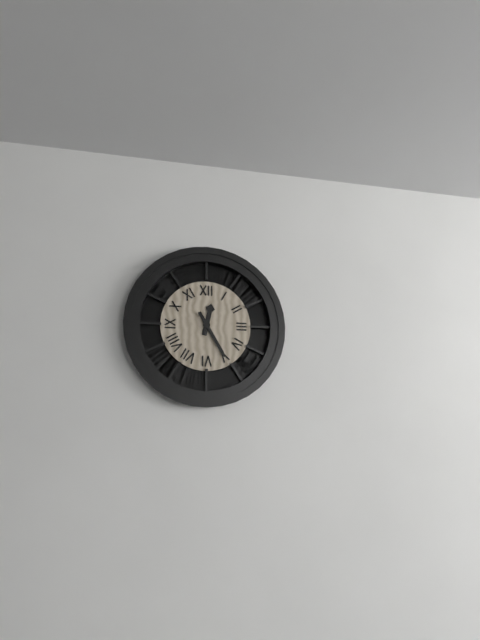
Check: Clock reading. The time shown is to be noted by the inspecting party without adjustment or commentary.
12:25
